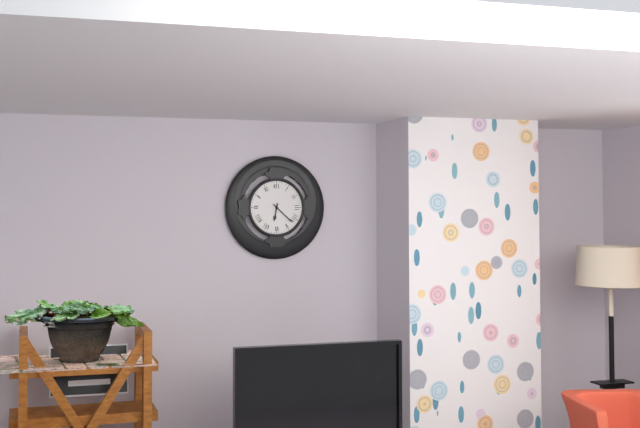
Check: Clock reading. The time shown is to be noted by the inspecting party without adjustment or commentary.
6:22
